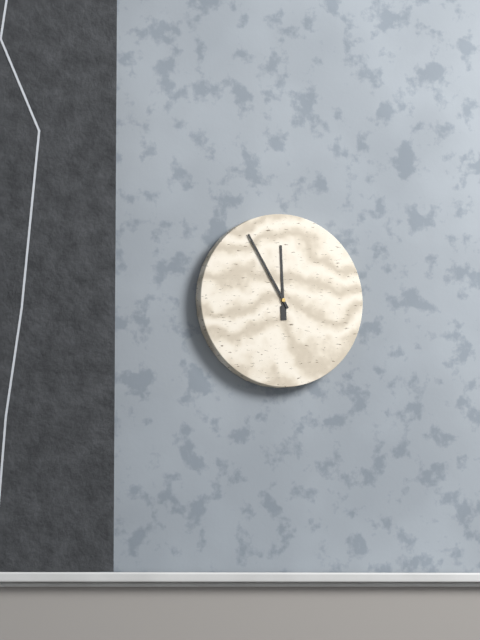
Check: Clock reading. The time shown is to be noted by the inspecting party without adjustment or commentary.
11:55
